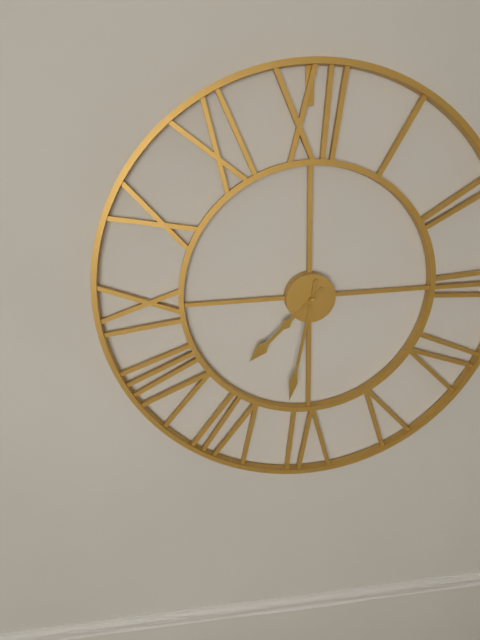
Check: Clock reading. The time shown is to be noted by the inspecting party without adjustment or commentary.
7:32
